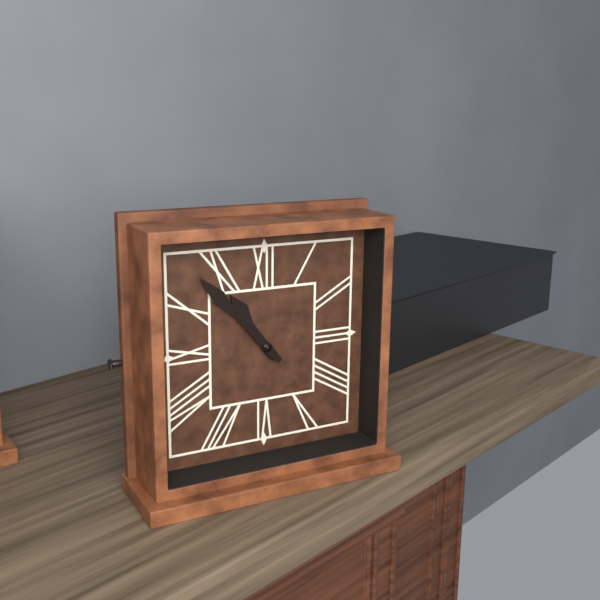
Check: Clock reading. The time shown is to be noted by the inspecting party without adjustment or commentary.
10:53
